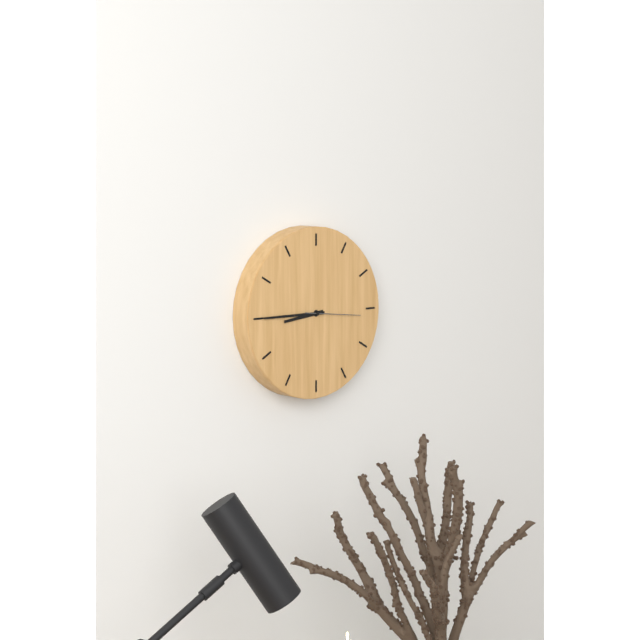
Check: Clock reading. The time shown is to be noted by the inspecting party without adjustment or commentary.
8:45:16
